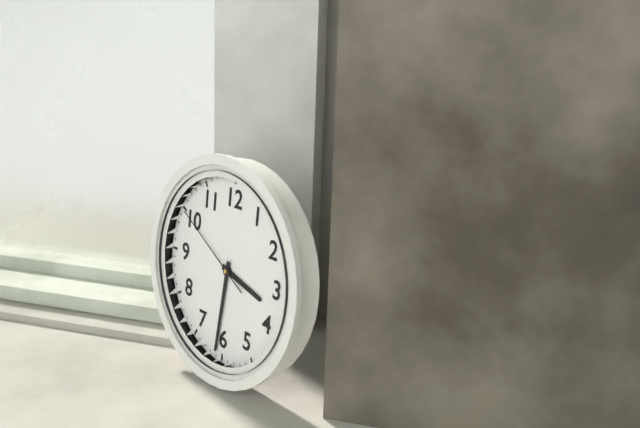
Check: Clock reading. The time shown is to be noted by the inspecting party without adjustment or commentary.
3:31:50
